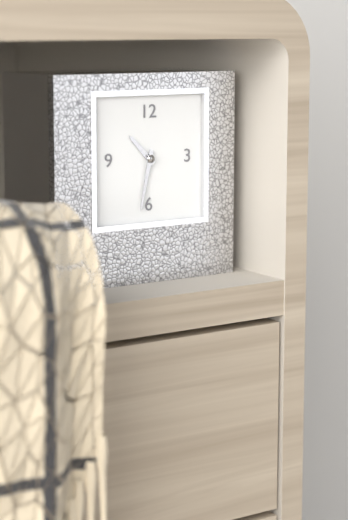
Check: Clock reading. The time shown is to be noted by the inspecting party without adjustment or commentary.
10:32
